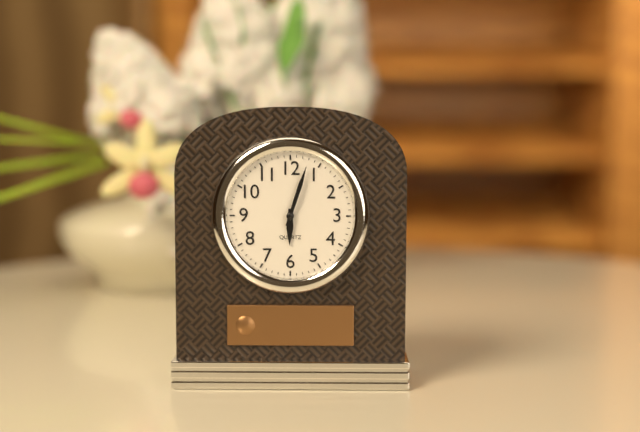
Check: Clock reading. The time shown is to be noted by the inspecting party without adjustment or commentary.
6:03
